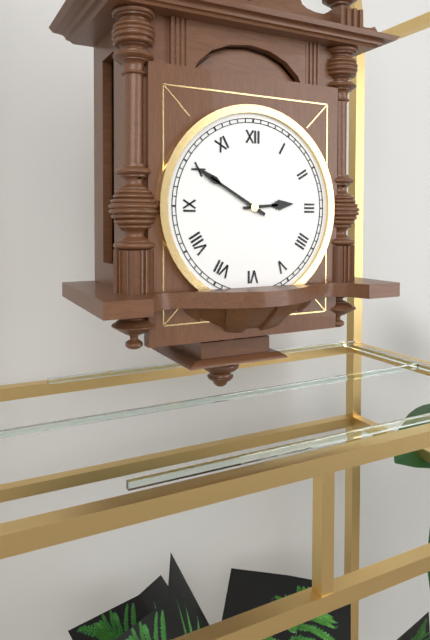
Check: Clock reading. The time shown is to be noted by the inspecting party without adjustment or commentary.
2:50
